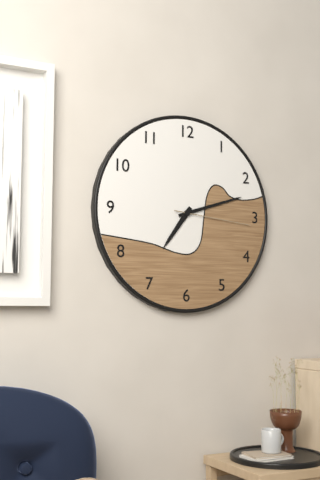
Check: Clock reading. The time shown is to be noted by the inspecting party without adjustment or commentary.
7:12:16
